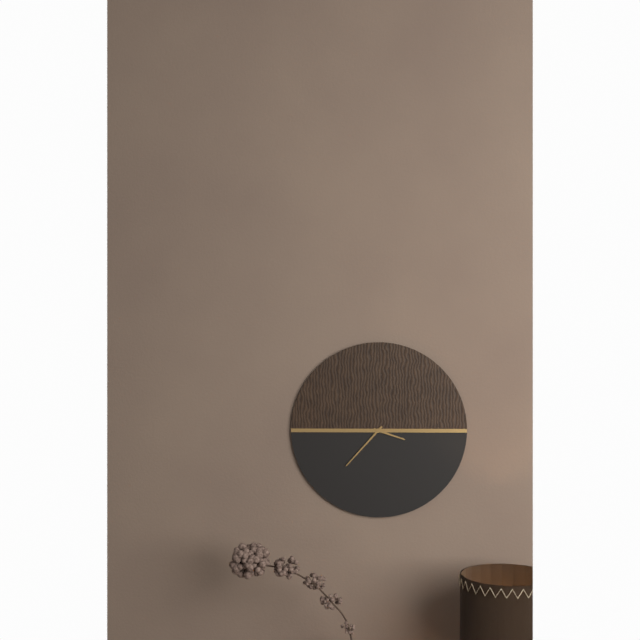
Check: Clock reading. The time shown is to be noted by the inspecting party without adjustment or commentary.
3:37
